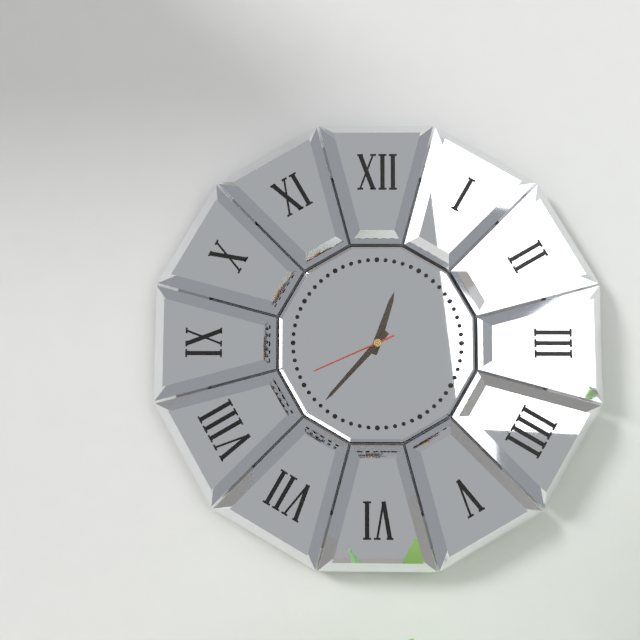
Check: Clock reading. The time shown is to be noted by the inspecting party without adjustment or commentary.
12:37:41
